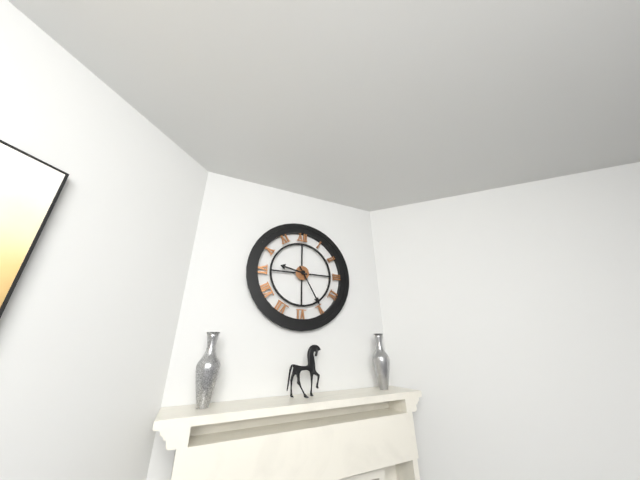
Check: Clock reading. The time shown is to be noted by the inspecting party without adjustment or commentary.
9:25
